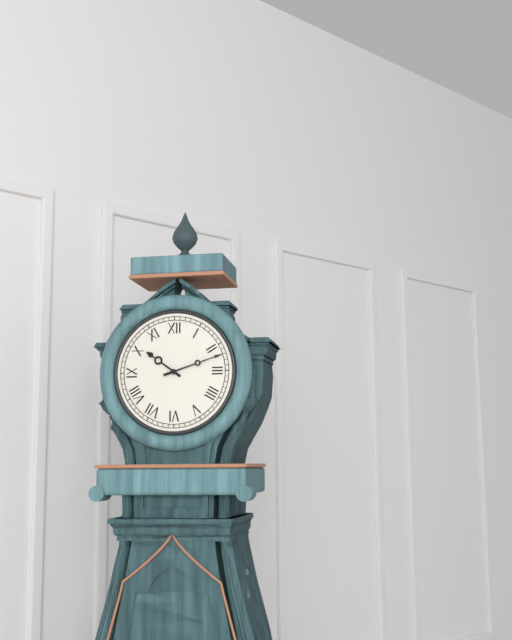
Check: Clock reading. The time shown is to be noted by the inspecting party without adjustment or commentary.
10:12
